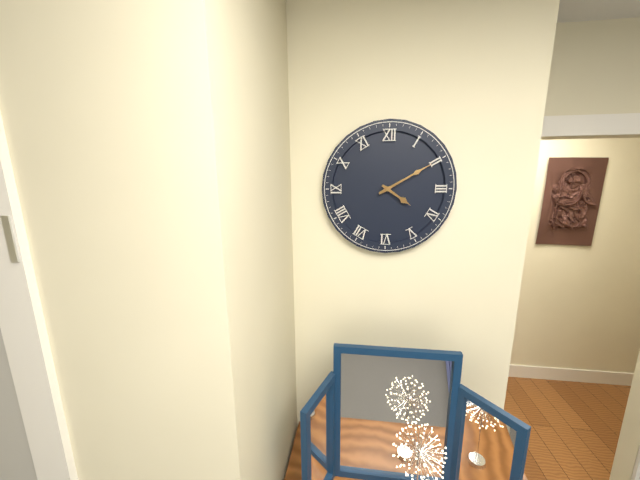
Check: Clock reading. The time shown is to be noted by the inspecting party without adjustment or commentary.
4:10
